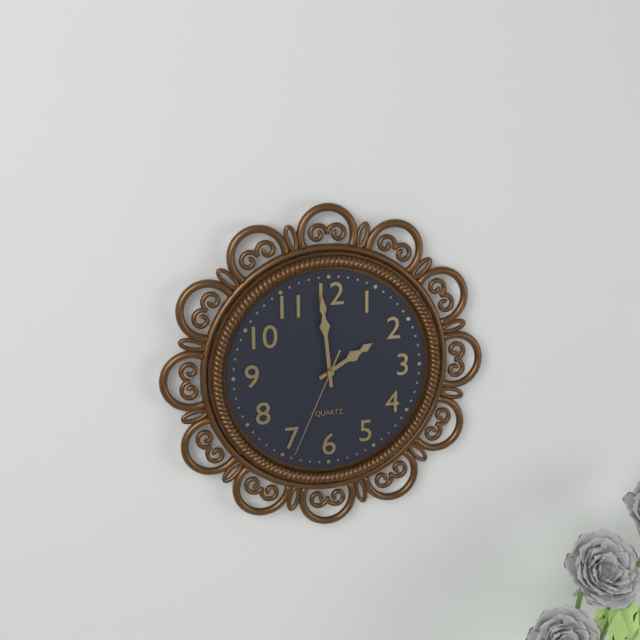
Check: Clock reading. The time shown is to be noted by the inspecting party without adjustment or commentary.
1:59:34
